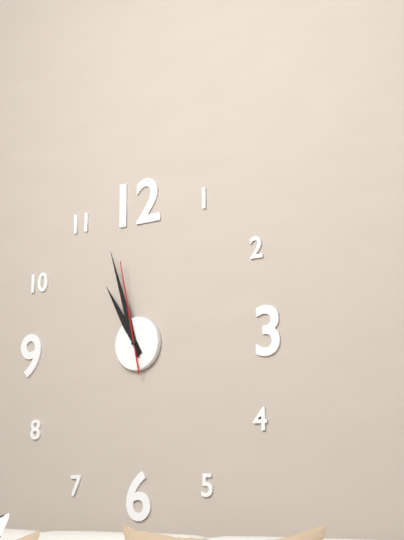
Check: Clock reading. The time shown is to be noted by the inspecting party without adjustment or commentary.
10:57:58
